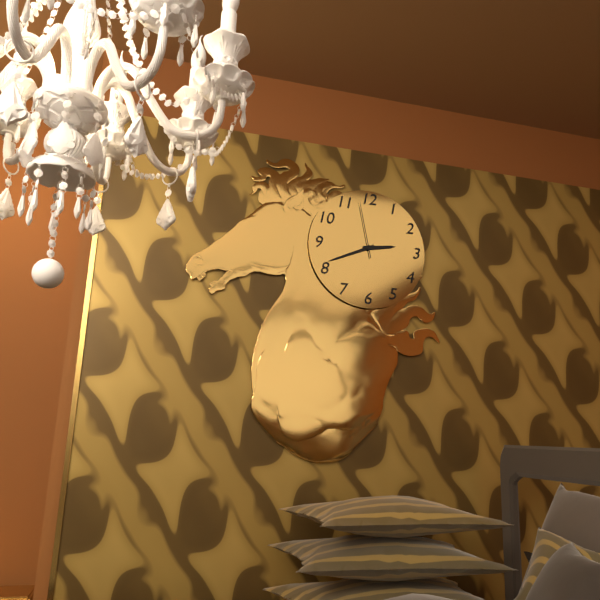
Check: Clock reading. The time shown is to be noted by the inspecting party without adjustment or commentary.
2:41:58
